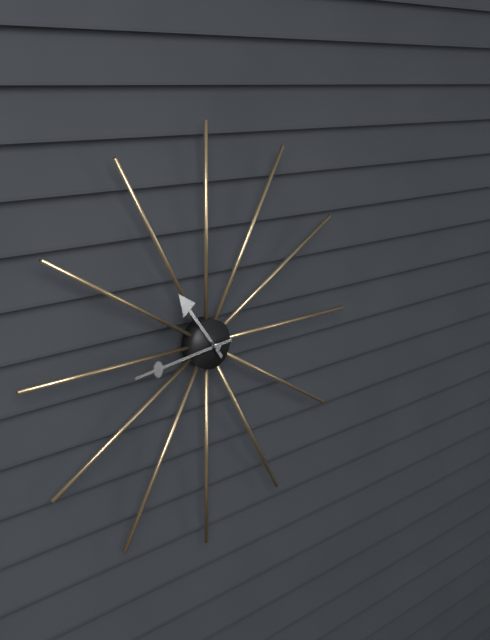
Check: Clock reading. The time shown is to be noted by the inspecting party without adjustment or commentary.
10:44
